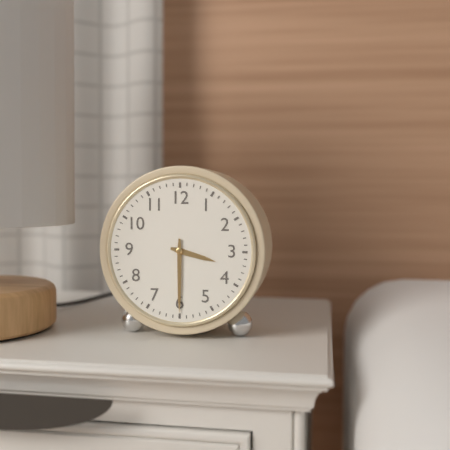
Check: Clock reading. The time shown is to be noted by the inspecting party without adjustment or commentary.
3:30
